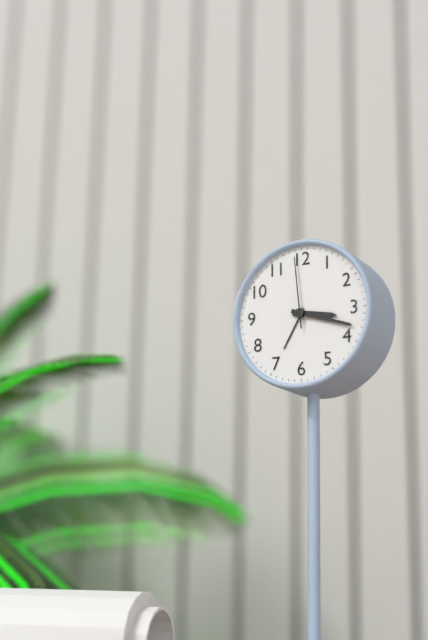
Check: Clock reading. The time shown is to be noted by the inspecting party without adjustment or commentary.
3:18:59
